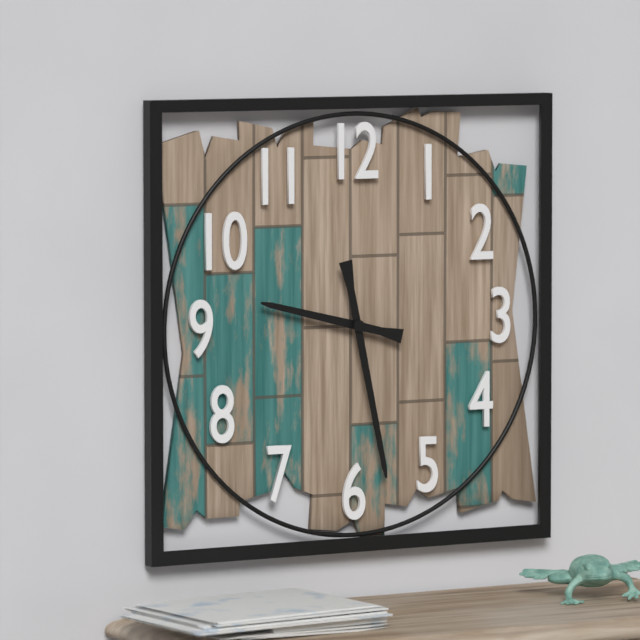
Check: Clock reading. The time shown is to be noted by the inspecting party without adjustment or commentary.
9:28
